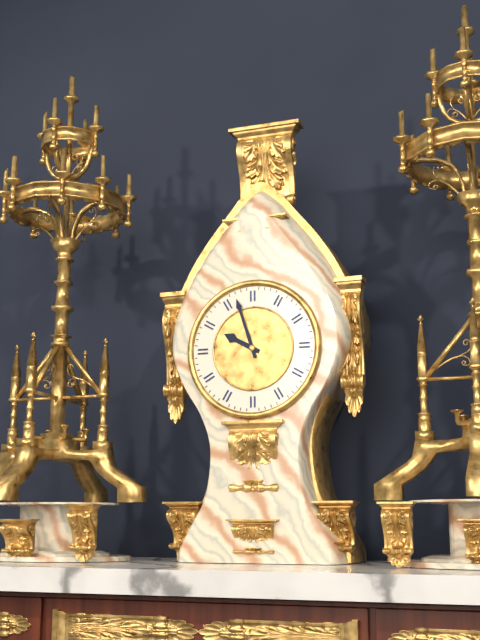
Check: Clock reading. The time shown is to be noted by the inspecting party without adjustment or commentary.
9:57
